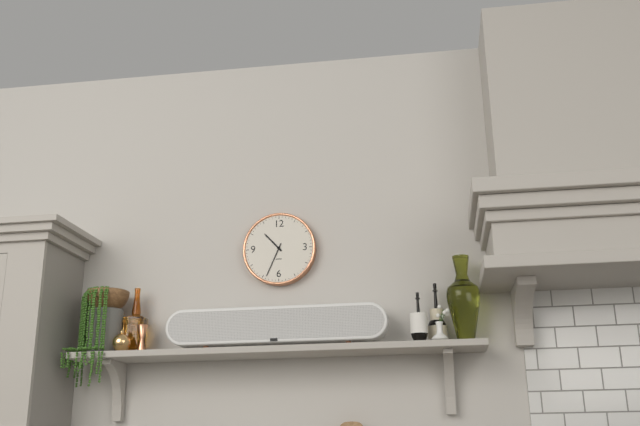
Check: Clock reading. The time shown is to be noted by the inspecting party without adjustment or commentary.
10:34
